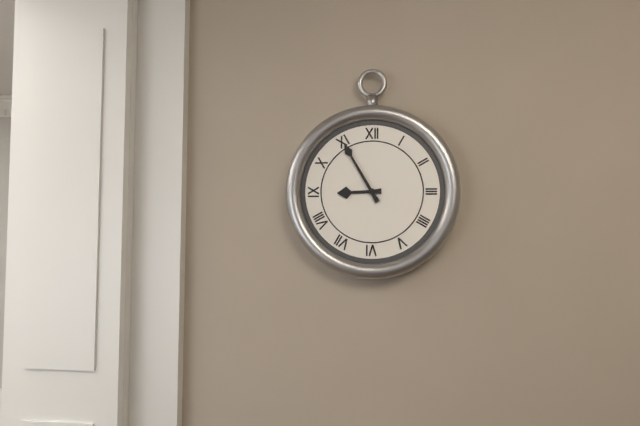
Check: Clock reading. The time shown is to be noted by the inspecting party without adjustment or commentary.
8:55
